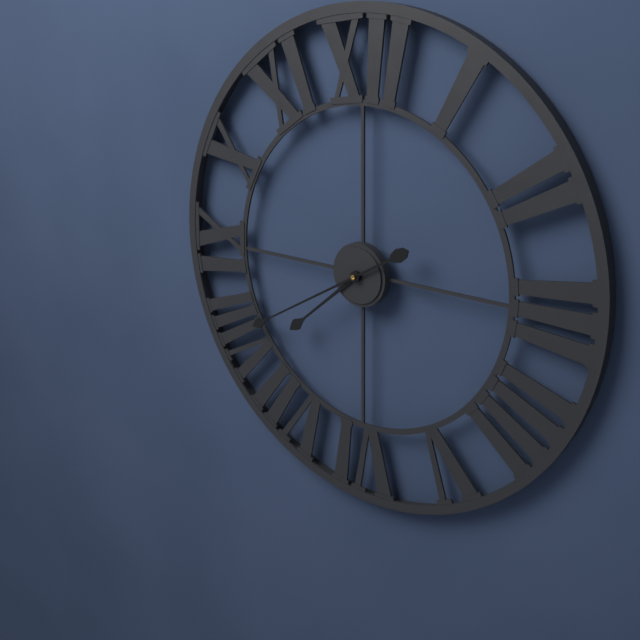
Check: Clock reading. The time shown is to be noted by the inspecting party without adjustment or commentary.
7:40
